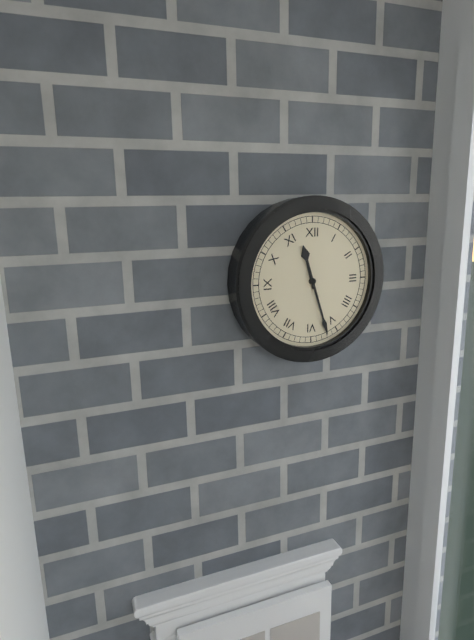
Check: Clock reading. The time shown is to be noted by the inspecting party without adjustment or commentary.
11:27
